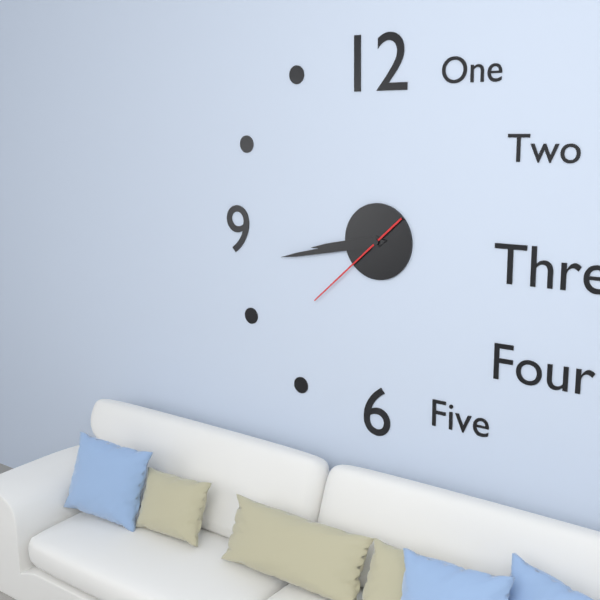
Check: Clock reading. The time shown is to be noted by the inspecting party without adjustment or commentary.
8:43:38
